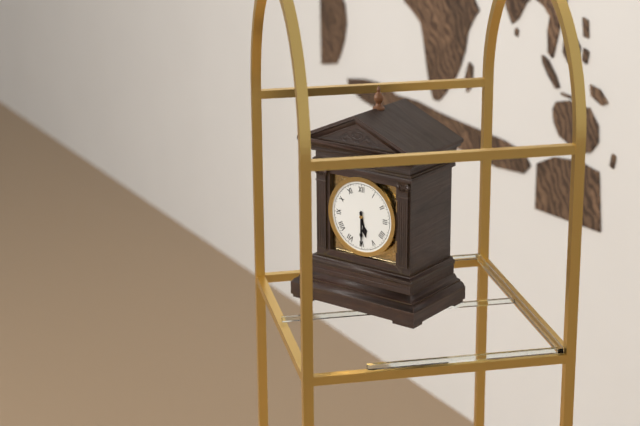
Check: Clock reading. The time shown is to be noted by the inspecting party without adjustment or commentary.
5:30
